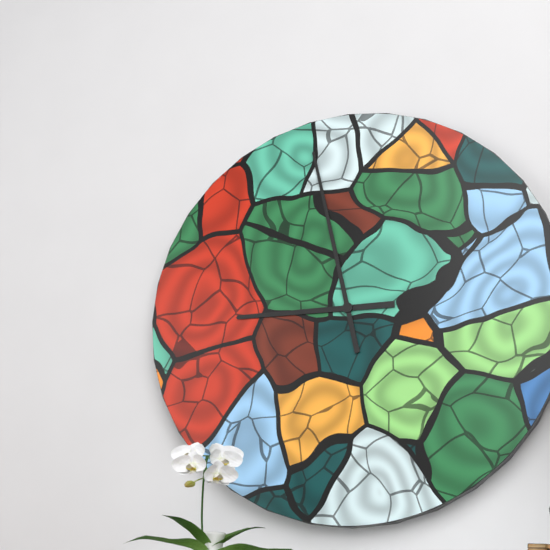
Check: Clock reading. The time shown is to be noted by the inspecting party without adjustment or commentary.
8:58
